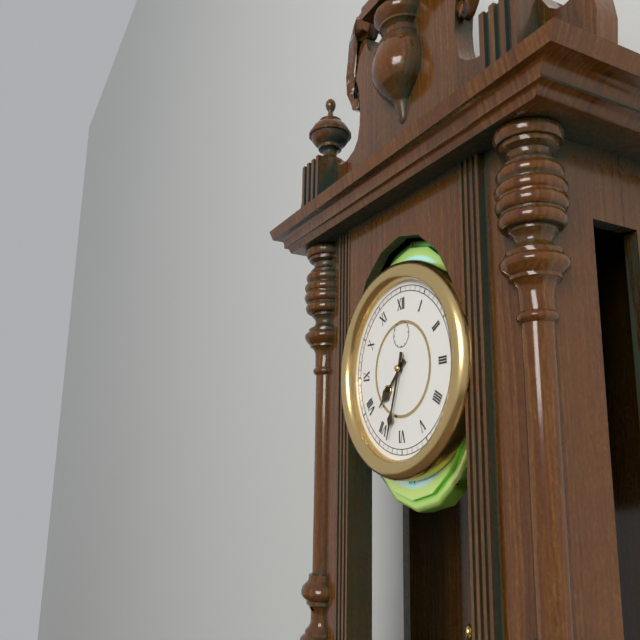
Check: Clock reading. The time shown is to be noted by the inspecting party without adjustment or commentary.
7:33
